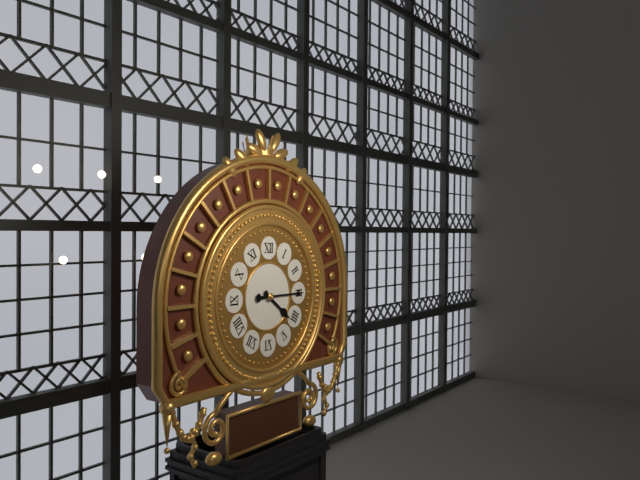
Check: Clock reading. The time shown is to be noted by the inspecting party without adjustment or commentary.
4:15
